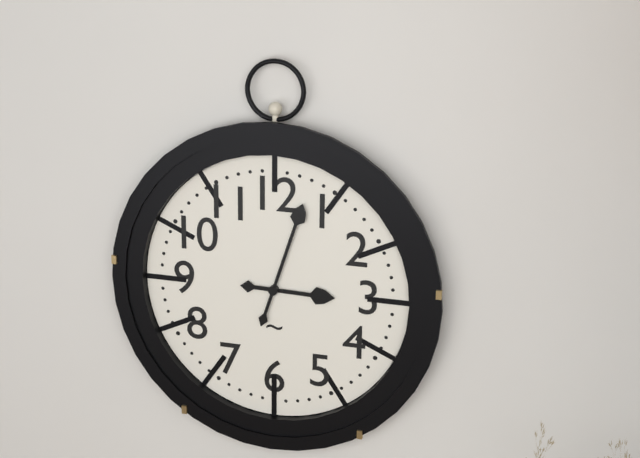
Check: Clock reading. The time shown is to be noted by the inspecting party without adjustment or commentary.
3:03
